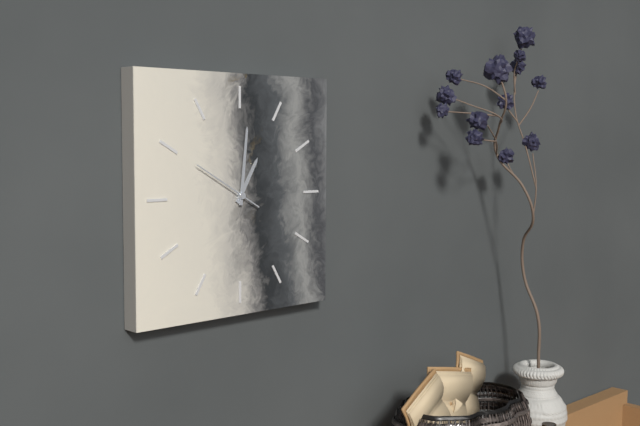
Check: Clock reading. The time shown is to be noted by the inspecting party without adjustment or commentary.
1:01:50
